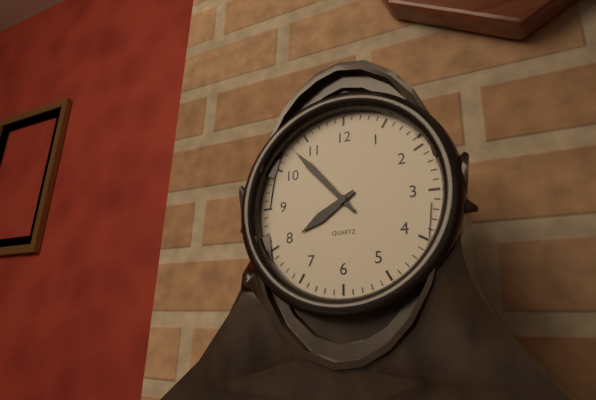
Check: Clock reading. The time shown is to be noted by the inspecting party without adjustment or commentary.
7:53
